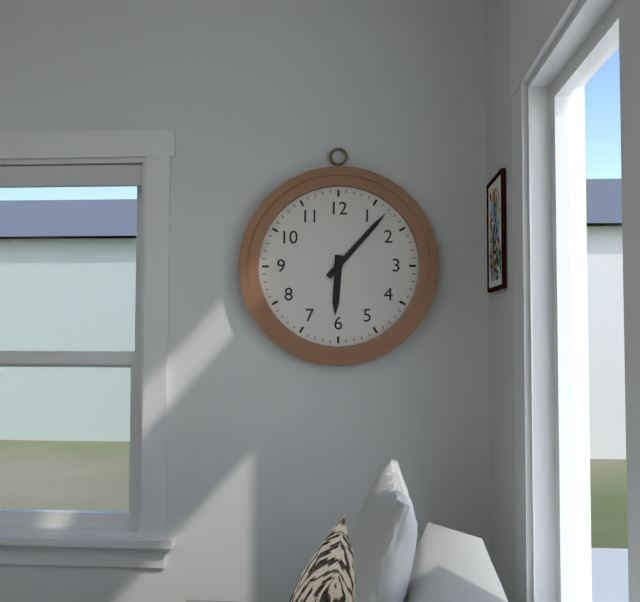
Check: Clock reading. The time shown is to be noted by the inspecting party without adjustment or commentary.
6:07
